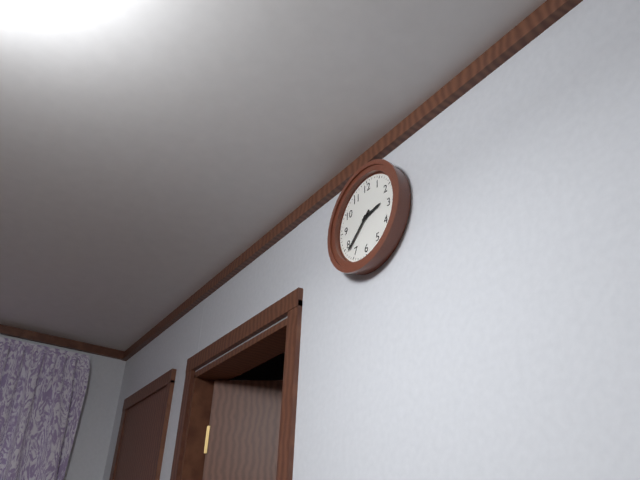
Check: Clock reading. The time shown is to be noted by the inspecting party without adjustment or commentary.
2:38
